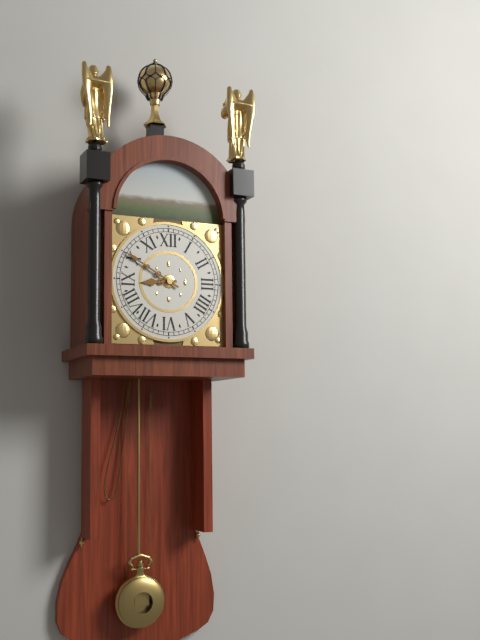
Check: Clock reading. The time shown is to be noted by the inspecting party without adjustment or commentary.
8:50
